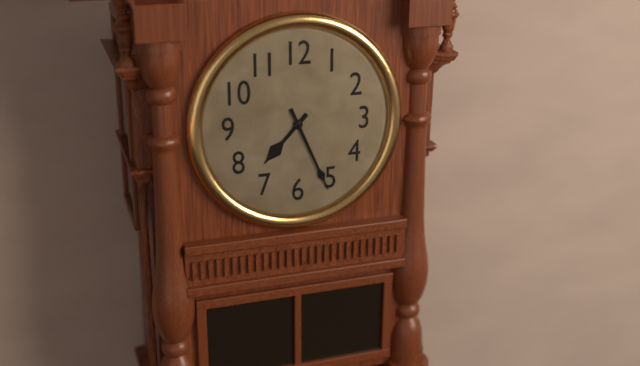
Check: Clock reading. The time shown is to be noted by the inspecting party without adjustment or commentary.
7:26
